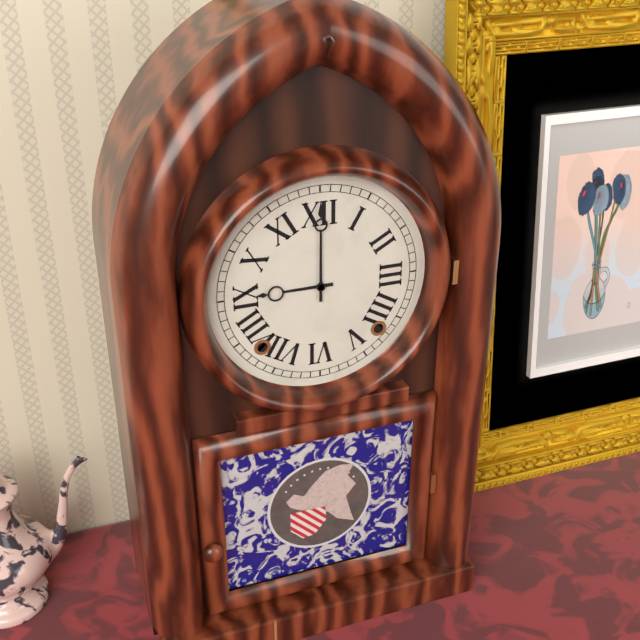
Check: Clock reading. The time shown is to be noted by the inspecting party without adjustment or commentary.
9:00
